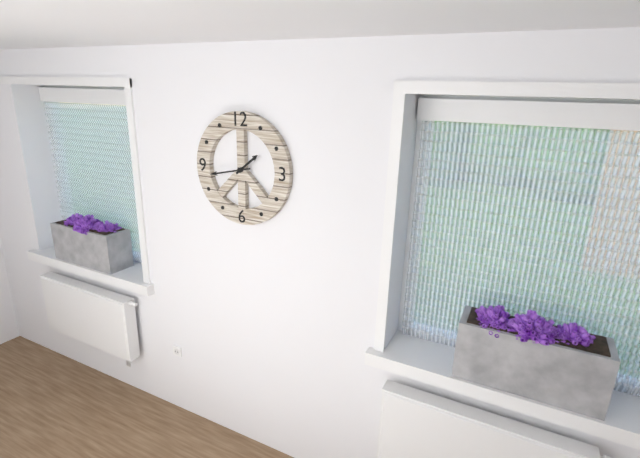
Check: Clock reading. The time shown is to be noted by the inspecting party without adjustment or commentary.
1:43
